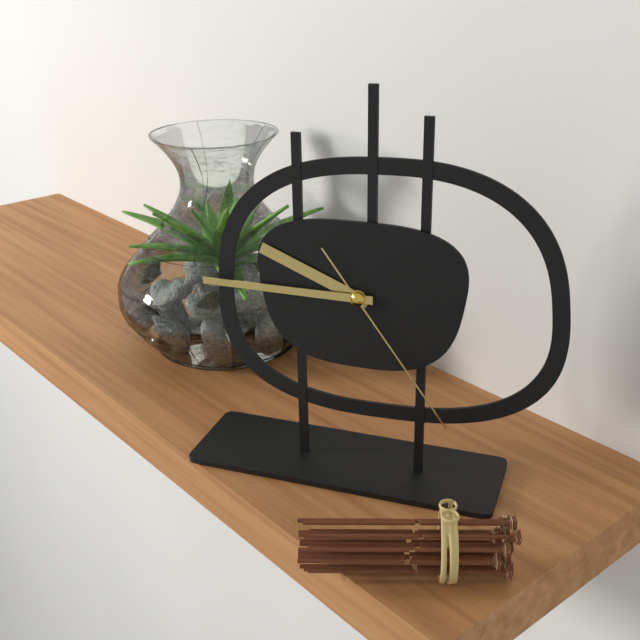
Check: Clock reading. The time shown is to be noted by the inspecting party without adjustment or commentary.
9:45:24
